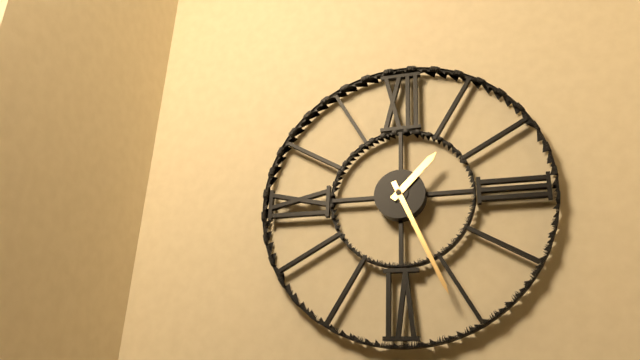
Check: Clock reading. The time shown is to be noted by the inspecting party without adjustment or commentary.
1:26
